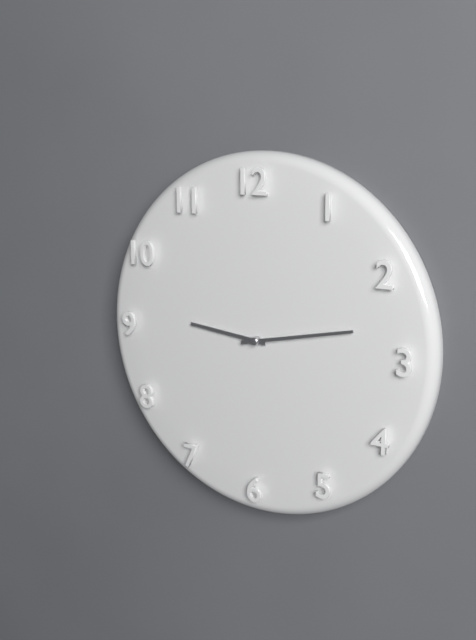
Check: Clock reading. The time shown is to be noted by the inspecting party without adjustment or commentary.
9:13
